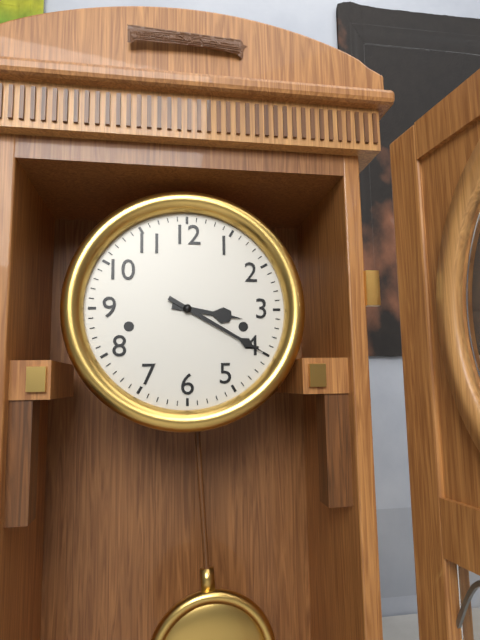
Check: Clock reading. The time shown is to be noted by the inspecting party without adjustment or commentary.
3:20
